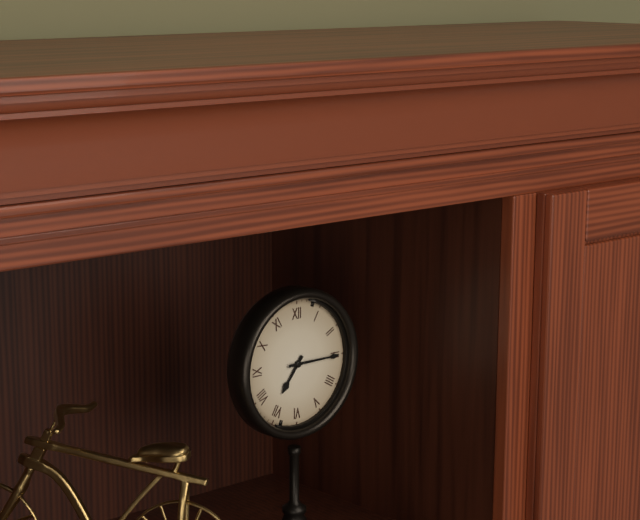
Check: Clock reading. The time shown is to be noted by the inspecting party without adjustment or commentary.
7:15
